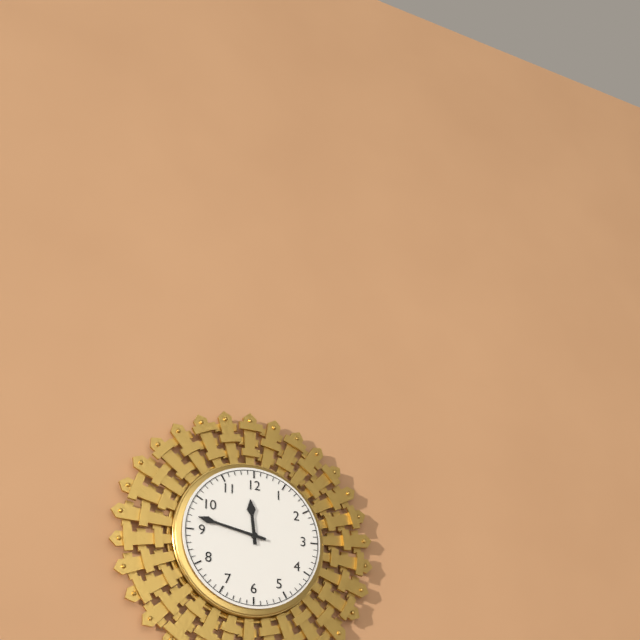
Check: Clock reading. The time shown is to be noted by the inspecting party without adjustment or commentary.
11:47
